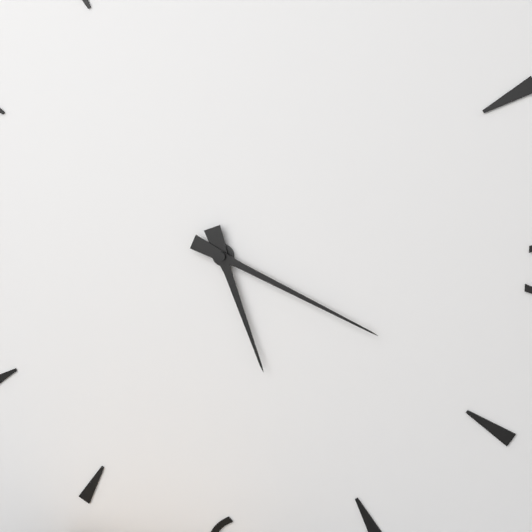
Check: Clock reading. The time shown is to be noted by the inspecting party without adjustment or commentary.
5:19
